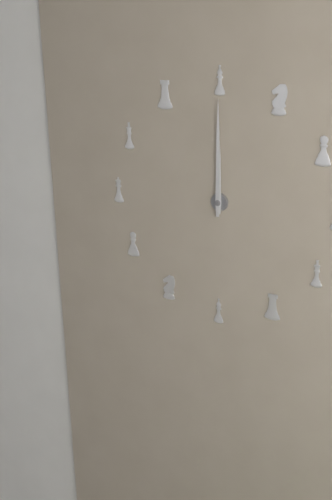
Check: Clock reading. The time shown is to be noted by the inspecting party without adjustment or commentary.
12:00
